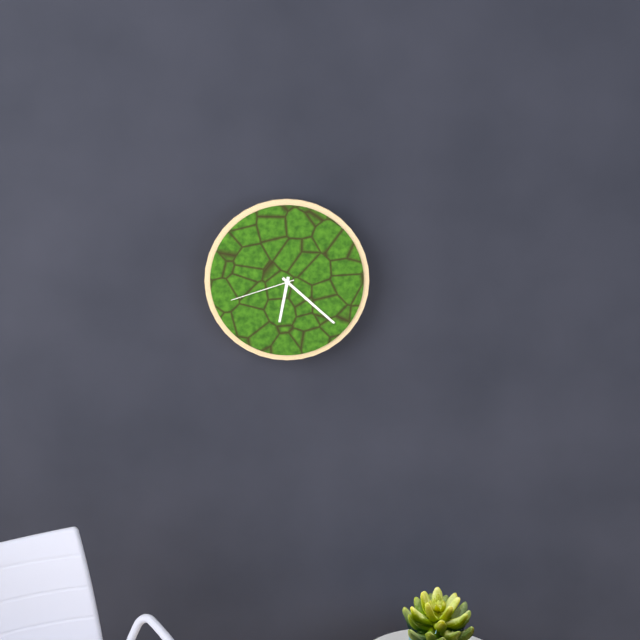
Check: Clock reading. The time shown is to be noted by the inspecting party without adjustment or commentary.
6:22:42
